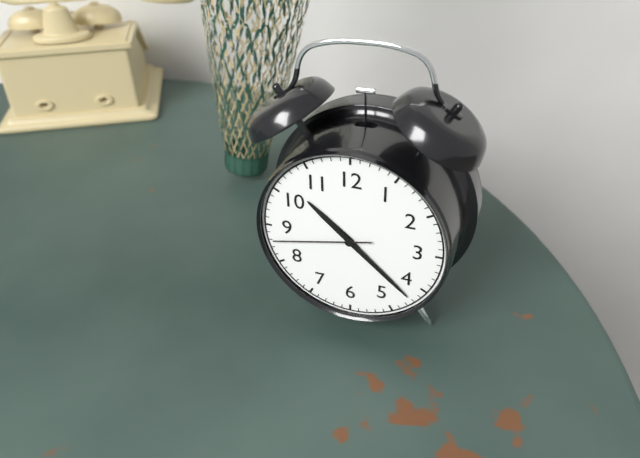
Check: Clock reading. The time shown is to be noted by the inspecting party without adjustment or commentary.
10:22:43
